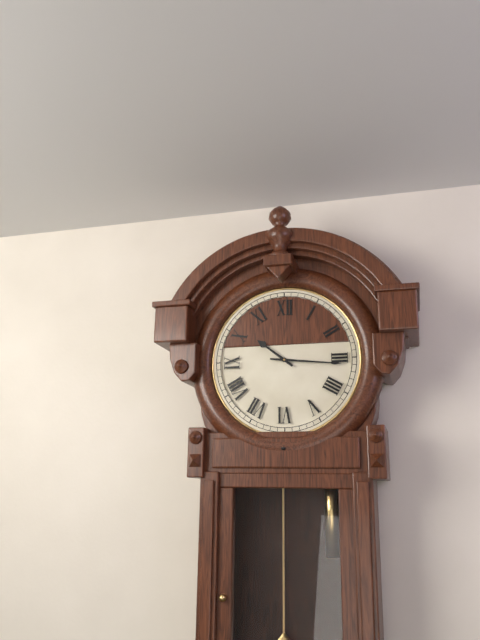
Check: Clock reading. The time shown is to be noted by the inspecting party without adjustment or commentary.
10:16
